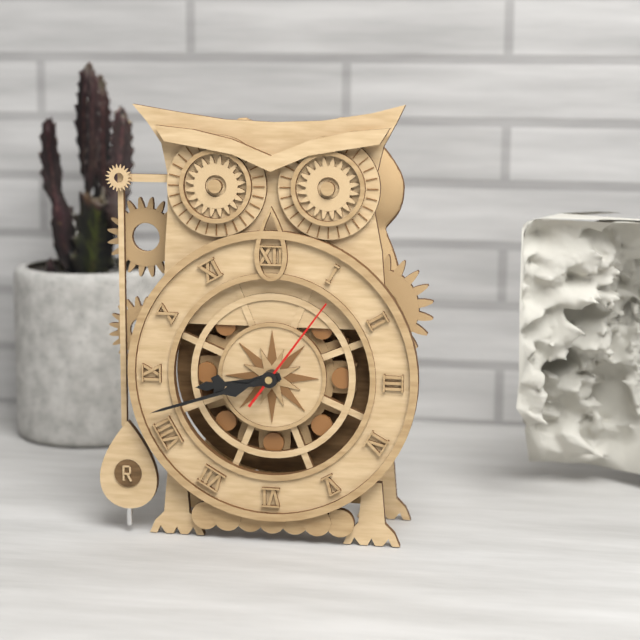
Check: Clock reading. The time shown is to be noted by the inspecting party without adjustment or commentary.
8:42:06
